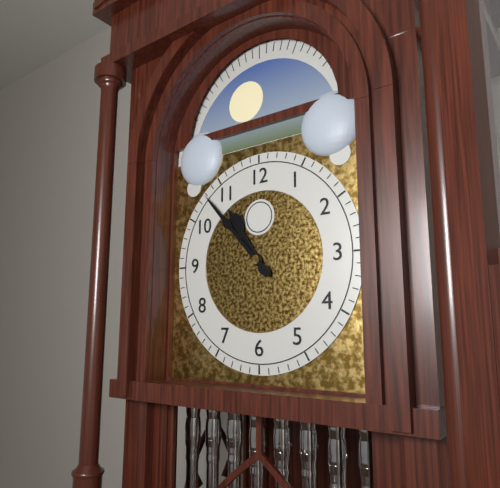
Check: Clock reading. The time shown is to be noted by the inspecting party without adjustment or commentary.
10:53
